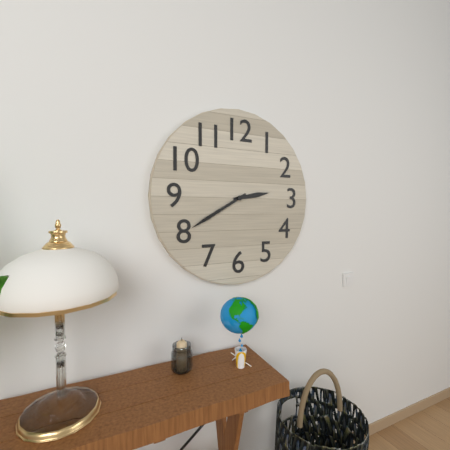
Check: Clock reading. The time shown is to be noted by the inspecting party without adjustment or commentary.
2:40
